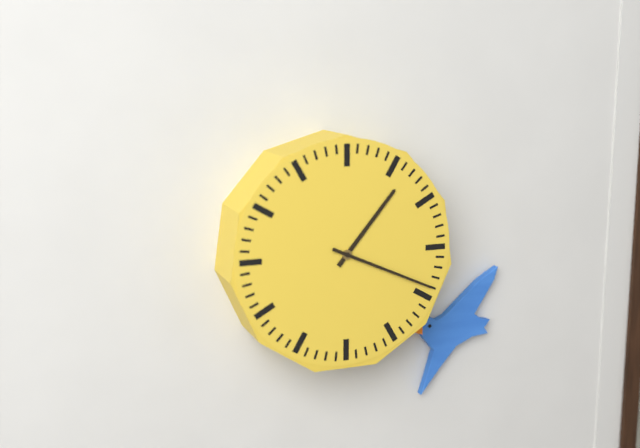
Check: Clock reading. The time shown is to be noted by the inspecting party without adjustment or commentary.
1:19
